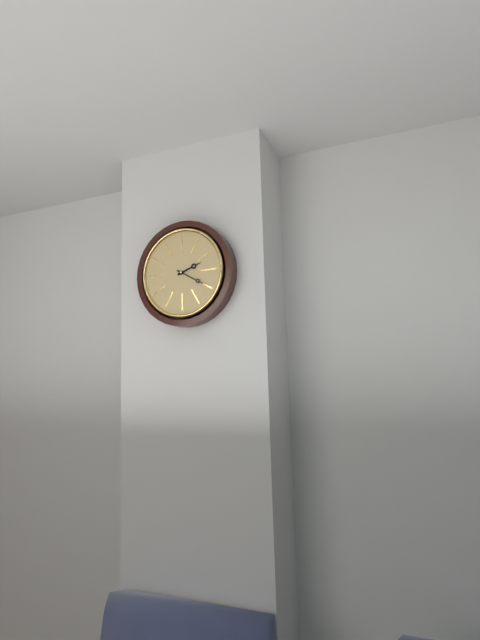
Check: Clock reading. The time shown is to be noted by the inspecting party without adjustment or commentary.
2:20
